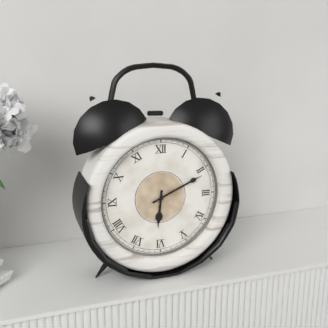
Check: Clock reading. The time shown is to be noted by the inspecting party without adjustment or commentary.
6:11
